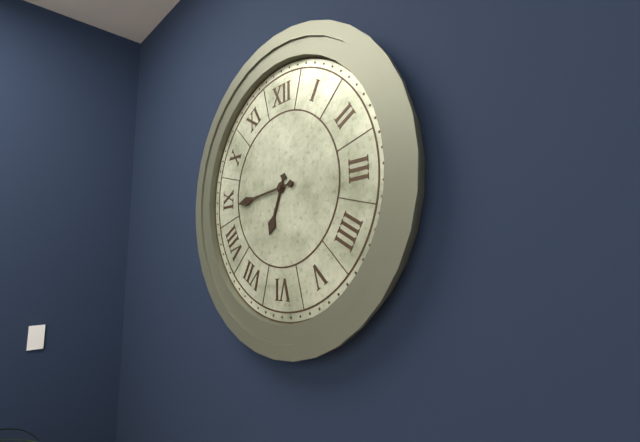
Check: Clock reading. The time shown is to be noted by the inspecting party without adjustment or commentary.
6:44
